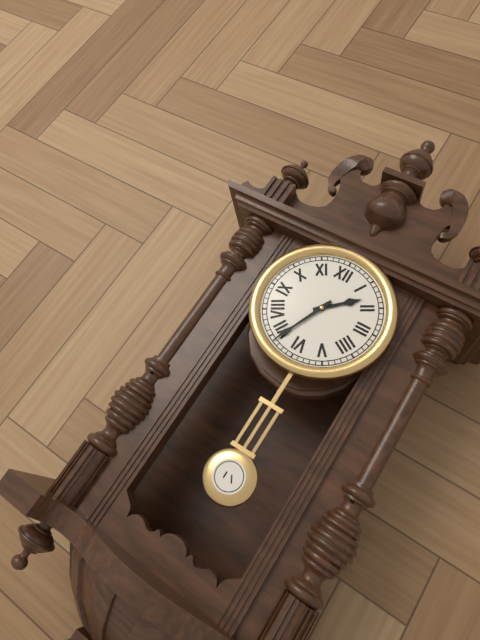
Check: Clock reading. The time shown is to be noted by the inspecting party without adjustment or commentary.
1:34
